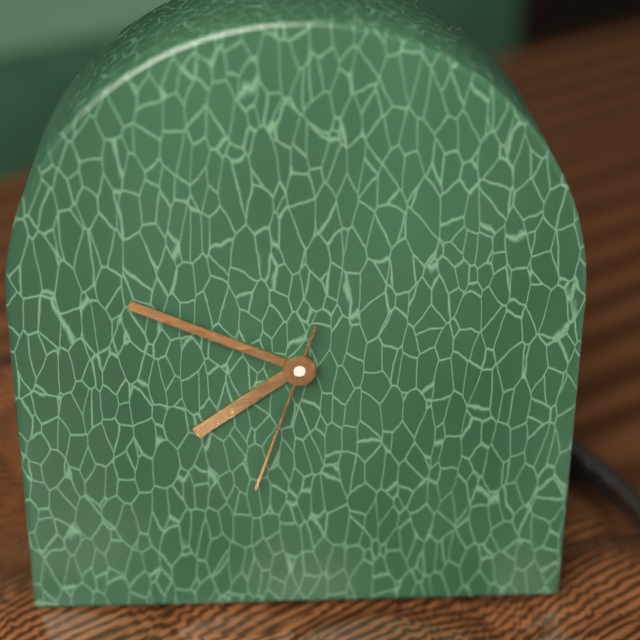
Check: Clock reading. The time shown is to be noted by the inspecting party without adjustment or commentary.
7:49:33
